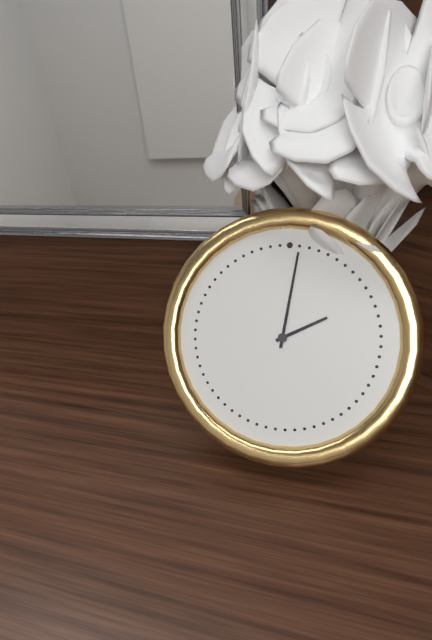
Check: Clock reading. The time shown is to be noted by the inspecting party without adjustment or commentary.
2:01
